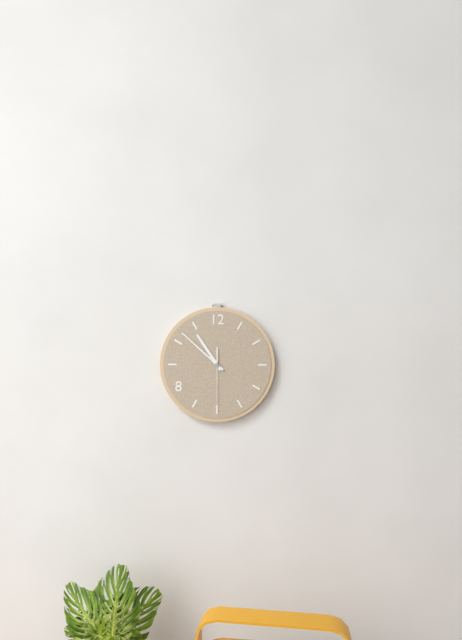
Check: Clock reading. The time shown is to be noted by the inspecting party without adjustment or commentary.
10:52:30
